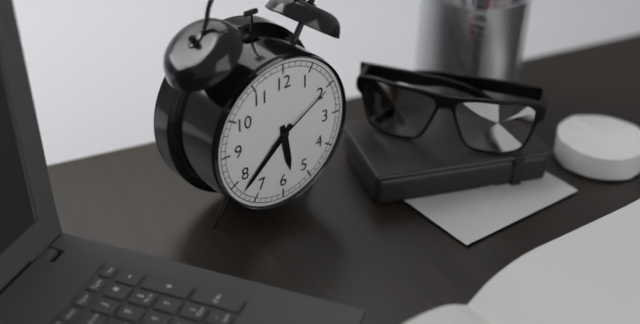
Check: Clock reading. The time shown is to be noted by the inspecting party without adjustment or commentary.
5:38:10
